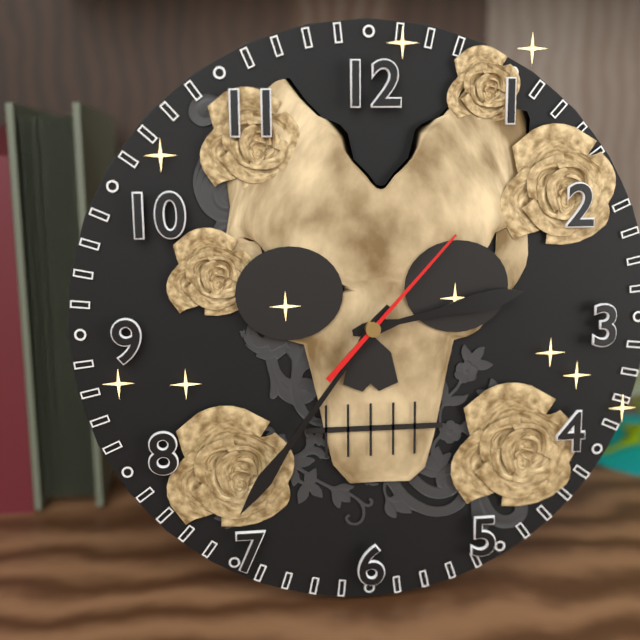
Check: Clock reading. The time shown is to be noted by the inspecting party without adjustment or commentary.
2:36:07
